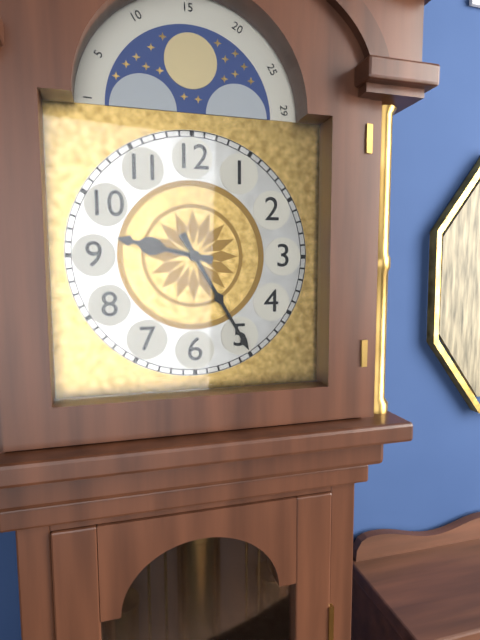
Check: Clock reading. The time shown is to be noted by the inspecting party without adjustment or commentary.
9:25
